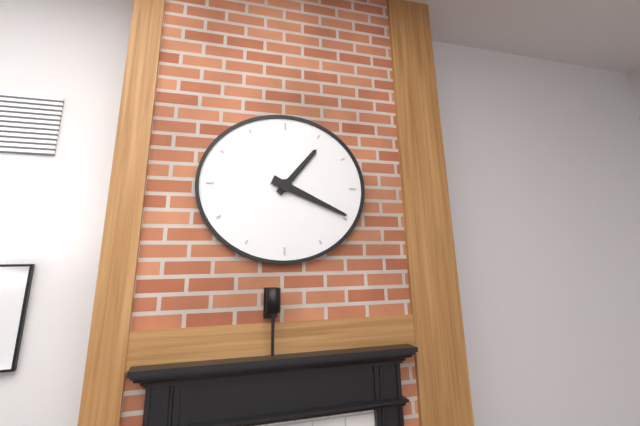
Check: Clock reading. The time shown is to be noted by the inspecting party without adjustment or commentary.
1:19
